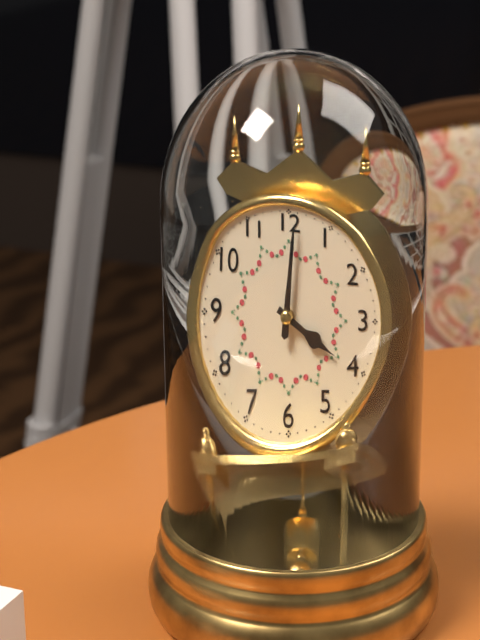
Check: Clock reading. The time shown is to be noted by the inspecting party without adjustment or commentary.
4:01
